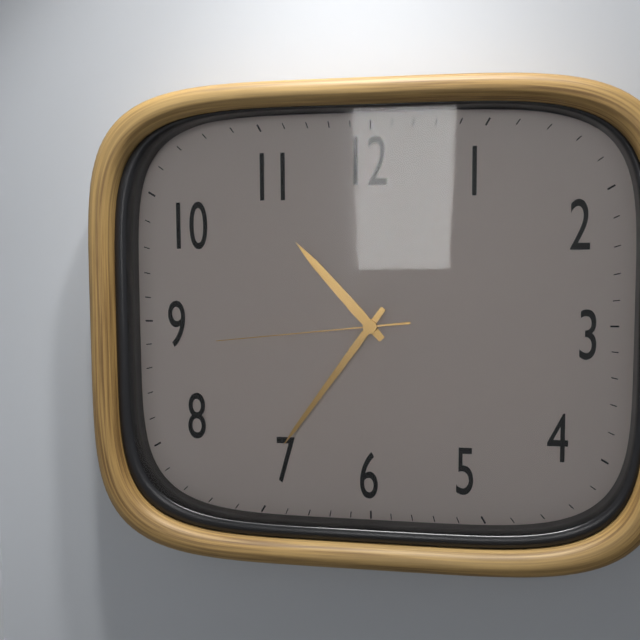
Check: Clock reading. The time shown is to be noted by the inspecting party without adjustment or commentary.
10:36:44
